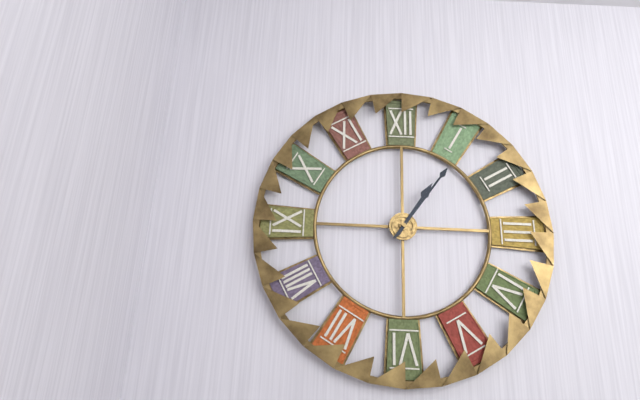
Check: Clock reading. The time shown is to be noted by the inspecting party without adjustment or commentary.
1:06
